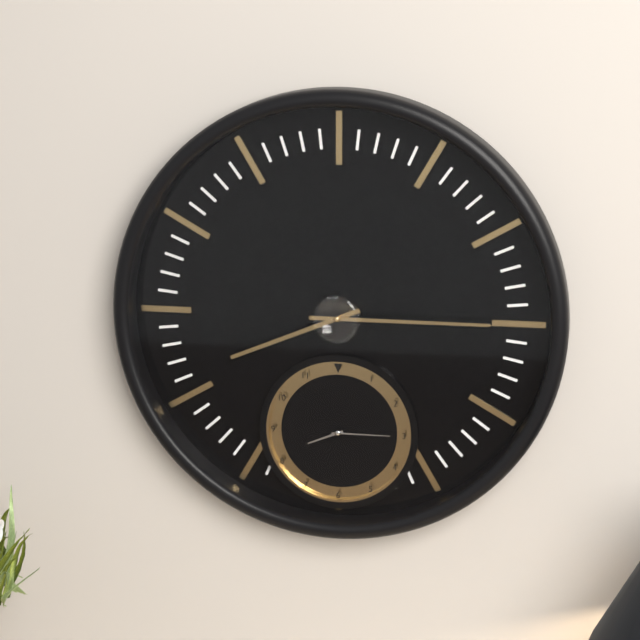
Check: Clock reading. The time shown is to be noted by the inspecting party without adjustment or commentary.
8:15
